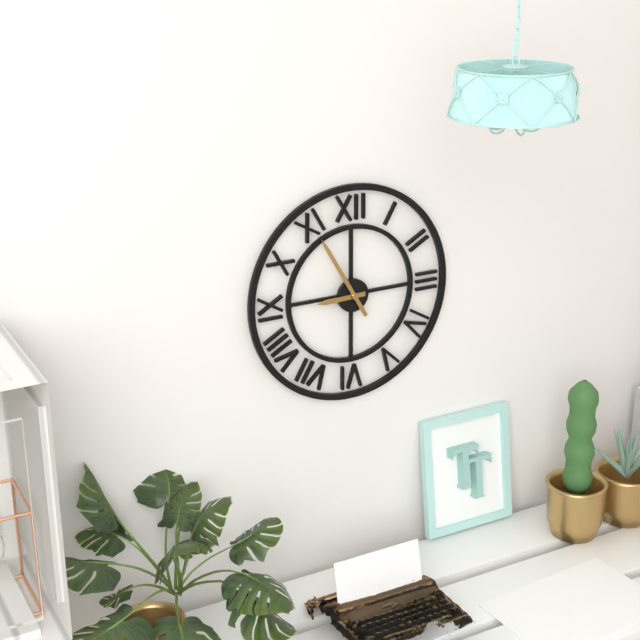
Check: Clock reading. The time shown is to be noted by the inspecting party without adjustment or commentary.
8:55
